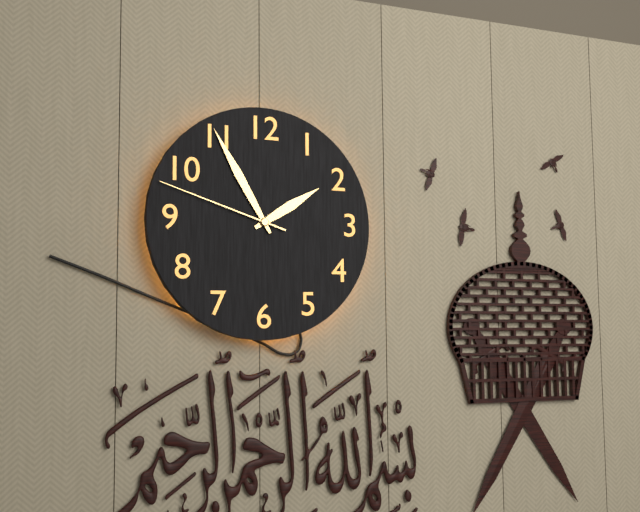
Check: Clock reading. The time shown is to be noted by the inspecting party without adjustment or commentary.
1:55:48
